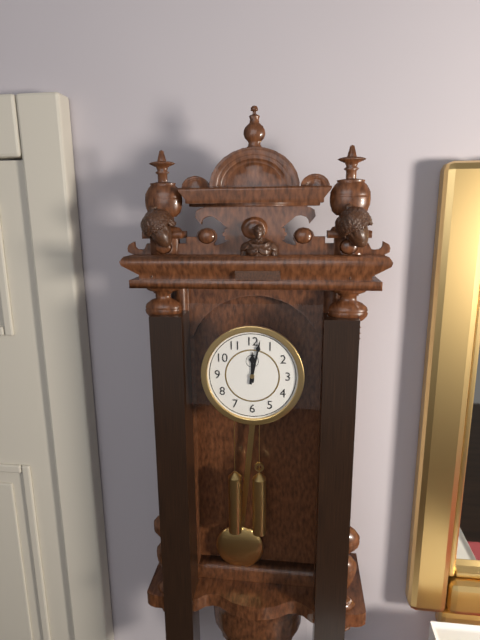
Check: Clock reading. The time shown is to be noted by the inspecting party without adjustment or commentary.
12:02
